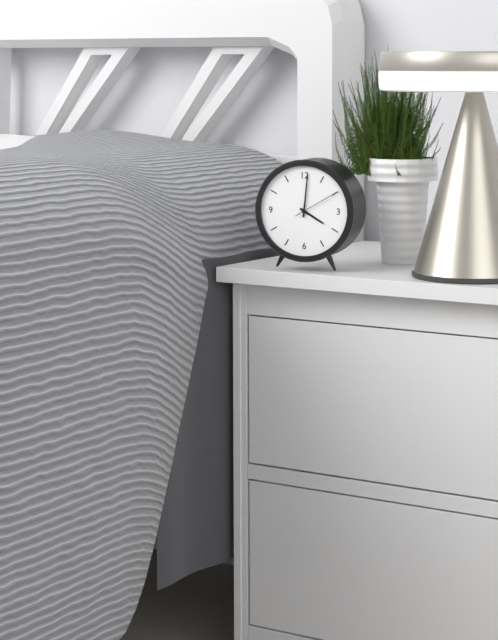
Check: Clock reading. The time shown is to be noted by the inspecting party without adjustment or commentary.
4:01
